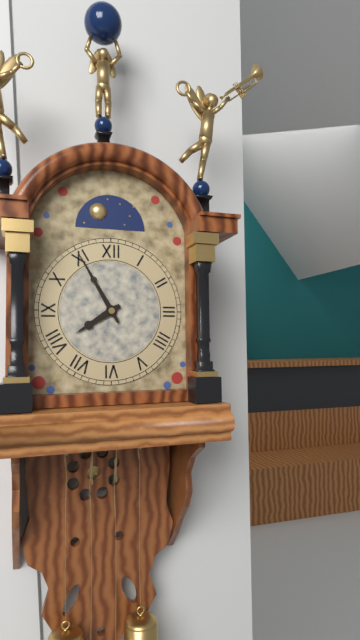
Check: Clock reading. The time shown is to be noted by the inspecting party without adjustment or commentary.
7:55
